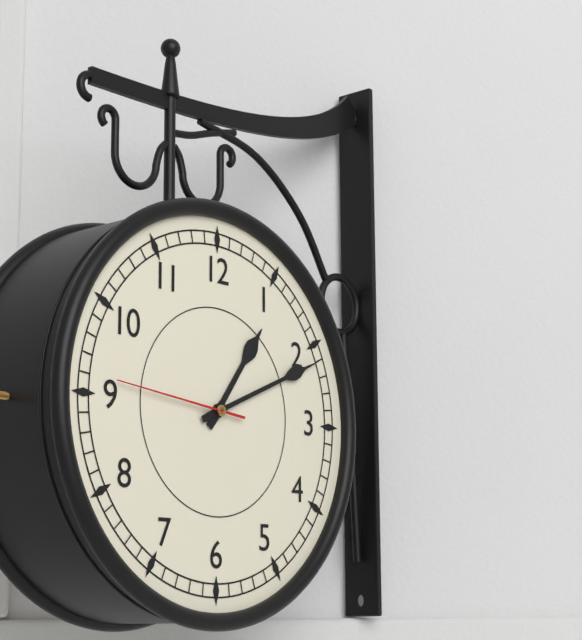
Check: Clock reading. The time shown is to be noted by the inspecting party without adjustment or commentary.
1:11:46
